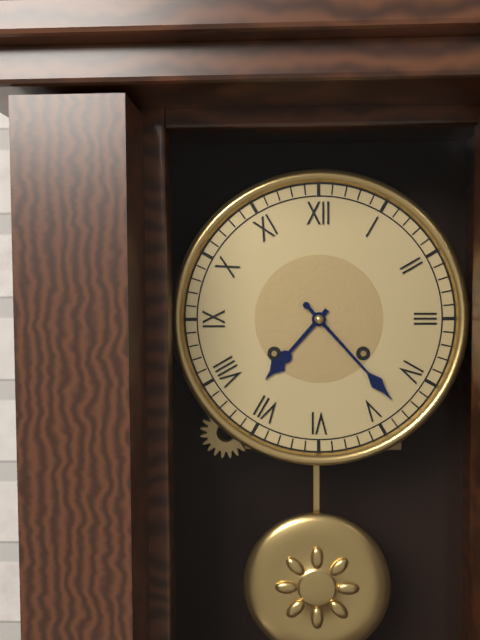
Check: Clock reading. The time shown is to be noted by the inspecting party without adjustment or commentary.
7:23
